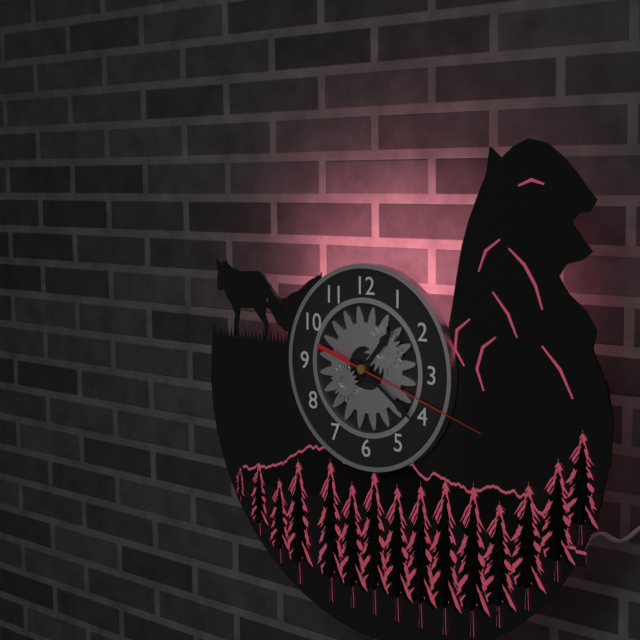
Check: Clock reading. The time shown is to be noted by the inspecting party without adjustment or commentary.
1:21:18
